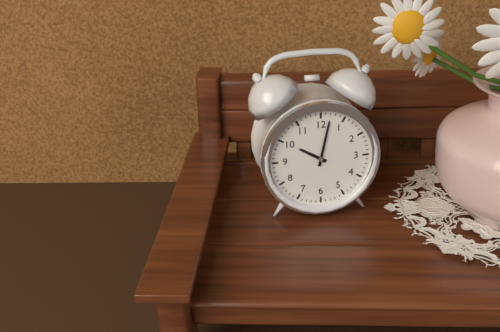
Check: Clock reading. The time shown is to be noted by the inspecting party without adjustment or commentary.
10:02
